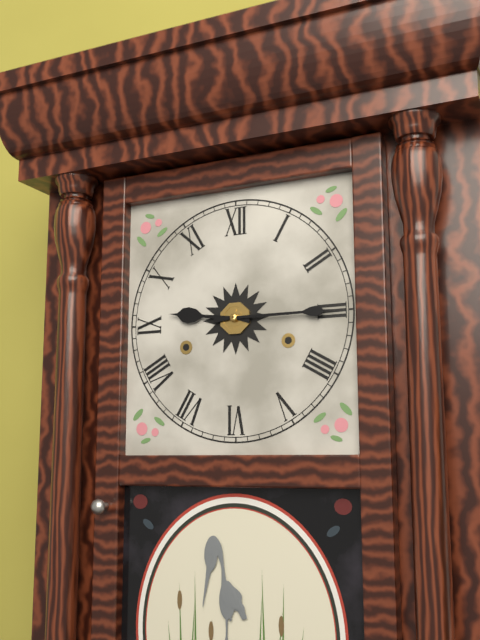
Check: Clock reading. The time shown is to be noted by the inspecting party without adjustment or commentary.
9:15
